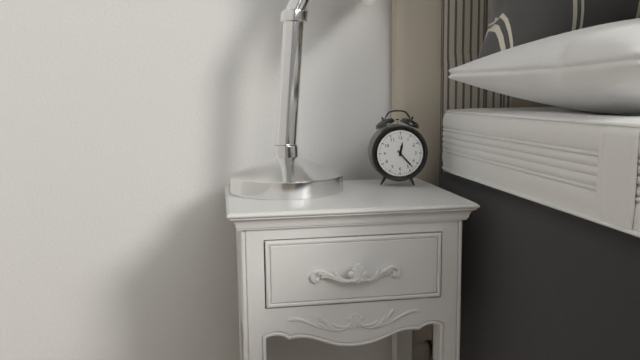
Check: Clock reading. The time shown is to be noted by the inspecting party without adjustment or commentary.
12:23
